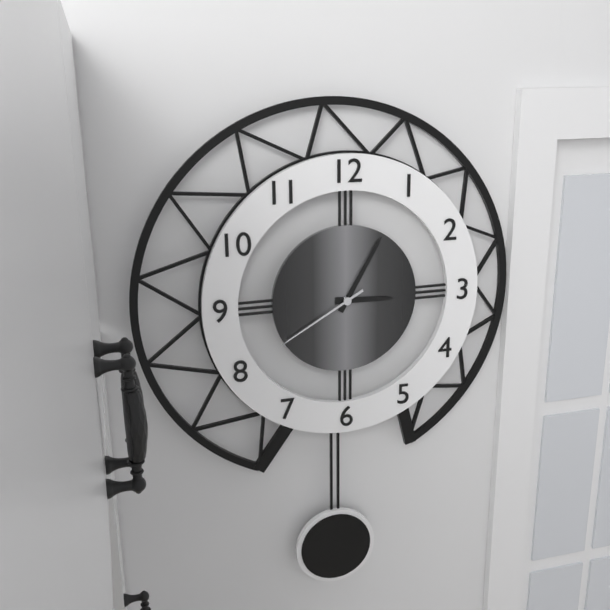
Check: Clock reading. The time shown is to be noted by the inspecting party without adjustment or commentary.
3:05:40
